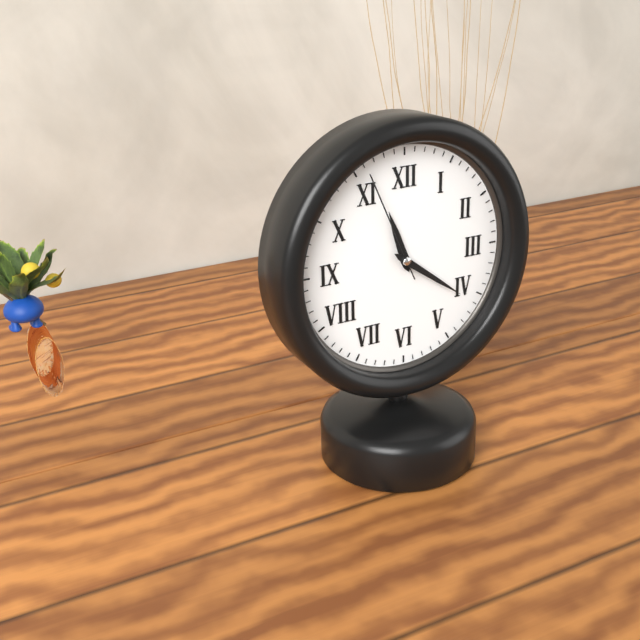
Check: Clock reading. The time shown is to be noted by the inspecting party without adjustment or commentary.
11:21:56
